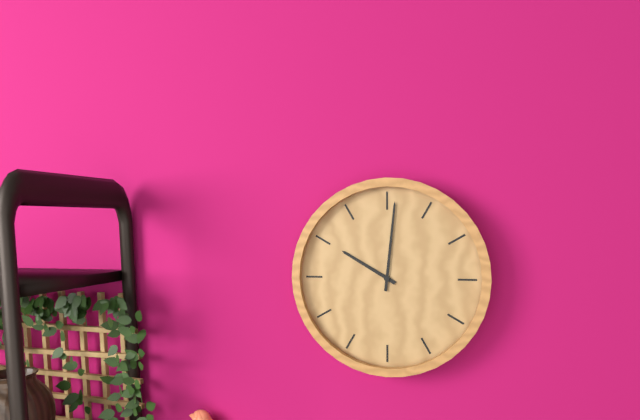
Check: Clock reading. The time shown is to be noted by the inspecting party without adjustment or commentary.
10:01
